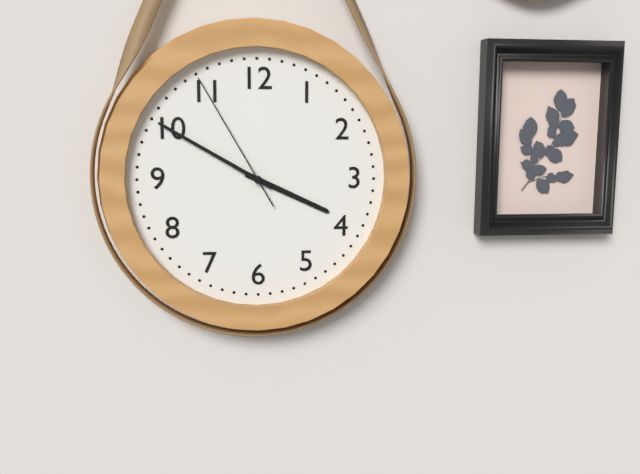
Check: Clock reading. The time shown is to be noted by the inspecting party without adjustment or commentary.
3:50:55
